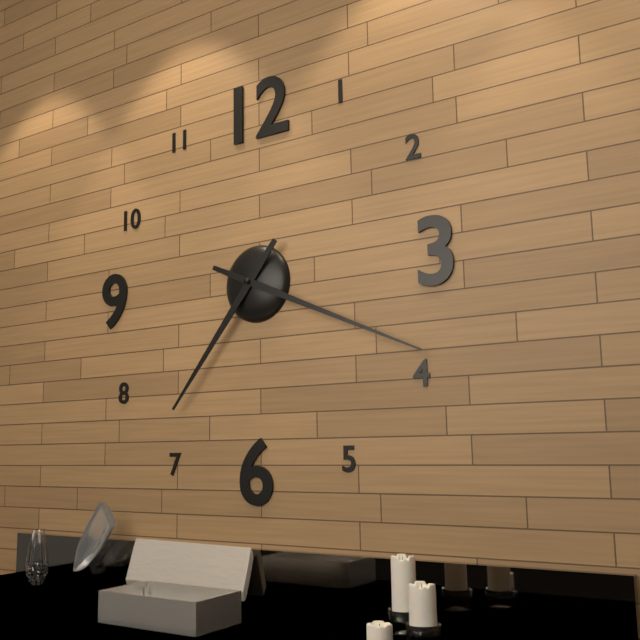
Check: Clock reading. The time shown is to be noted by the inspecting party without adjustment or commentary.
7:19
